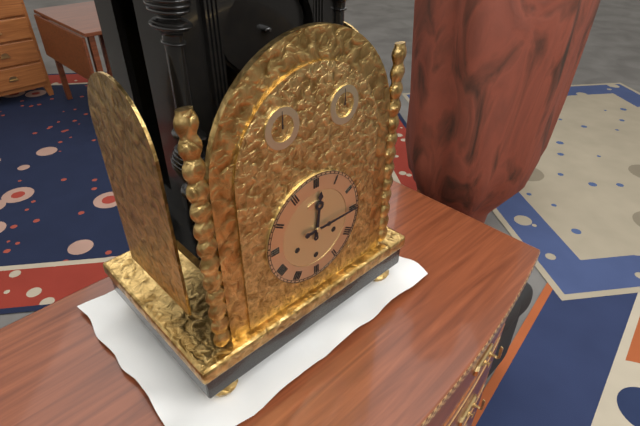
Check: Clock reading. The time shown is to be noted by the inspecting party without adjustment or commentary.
12:15
